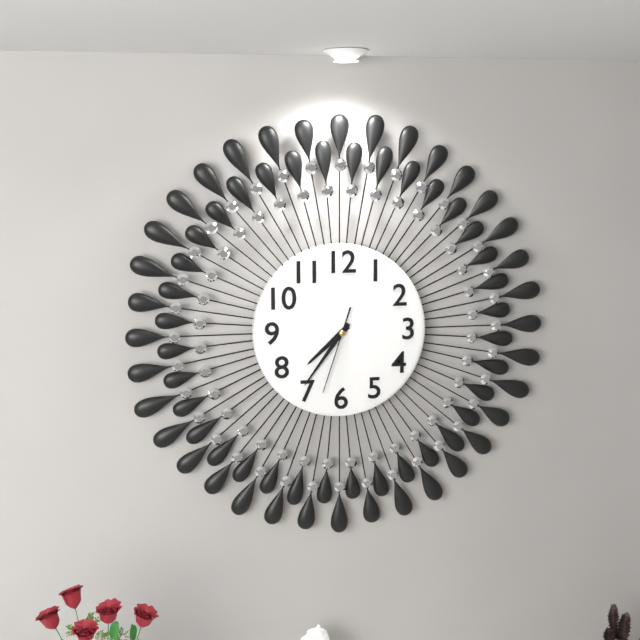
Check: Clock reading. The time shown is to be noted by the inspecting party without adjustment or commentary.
7:36:33
